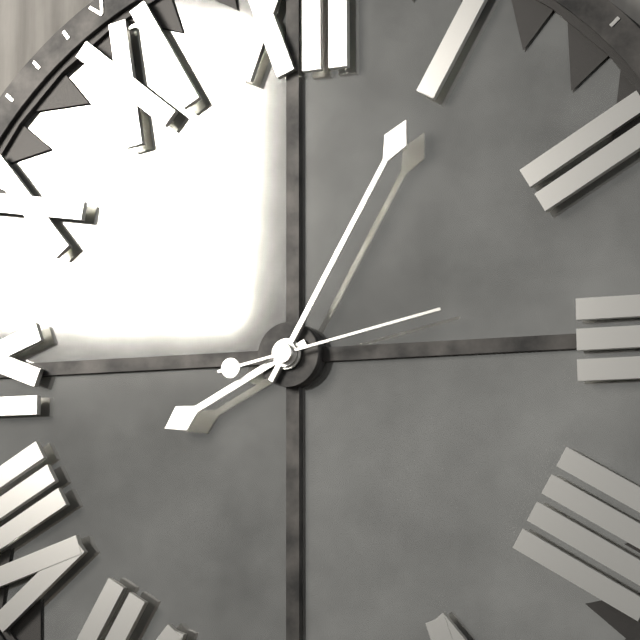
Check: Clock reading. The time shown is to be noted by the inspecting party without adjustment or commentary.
8:05:13
